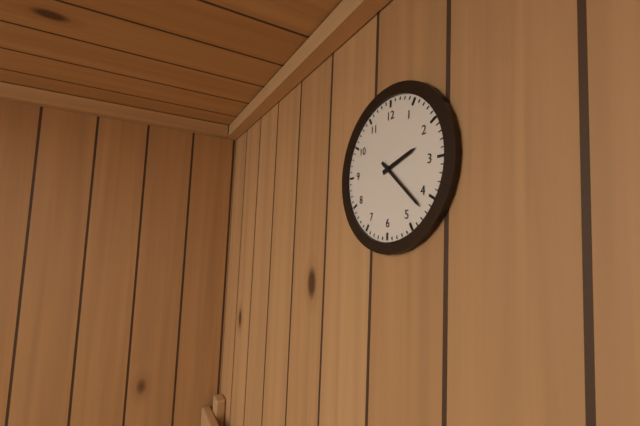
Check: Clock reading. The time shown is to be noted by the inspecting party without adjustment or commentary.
2:22
